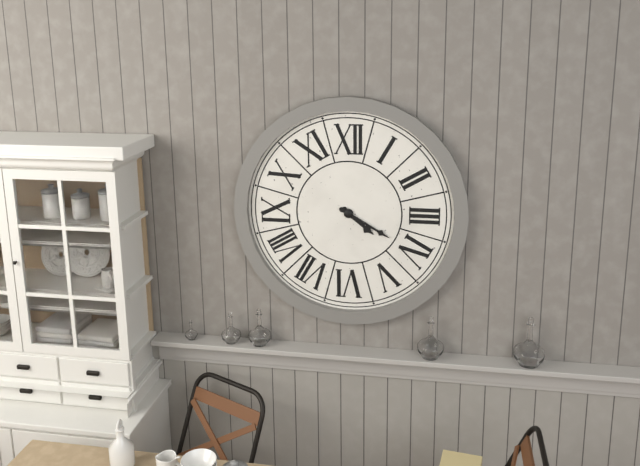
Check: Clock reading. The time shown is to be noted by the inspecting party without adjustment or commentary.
4:20
